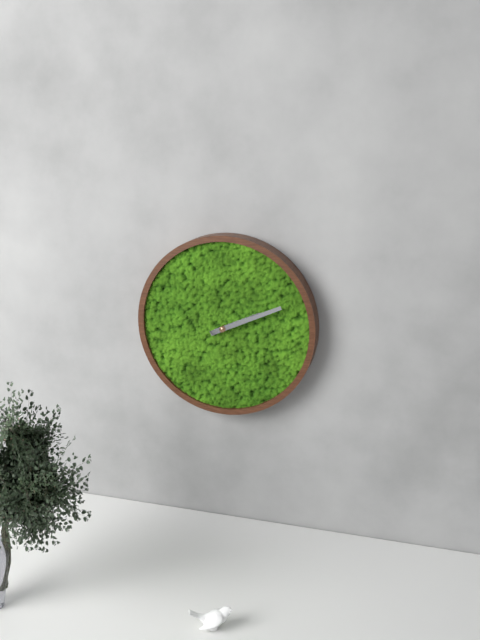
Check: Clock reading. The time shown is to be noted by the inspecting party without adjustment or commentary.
2:11
